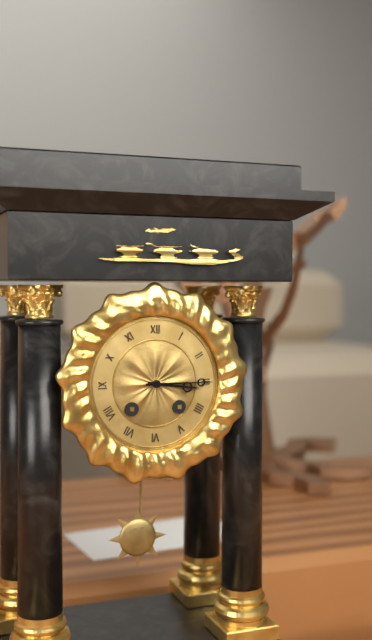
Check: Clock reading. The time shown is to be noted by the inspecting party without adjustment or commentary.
3:15
